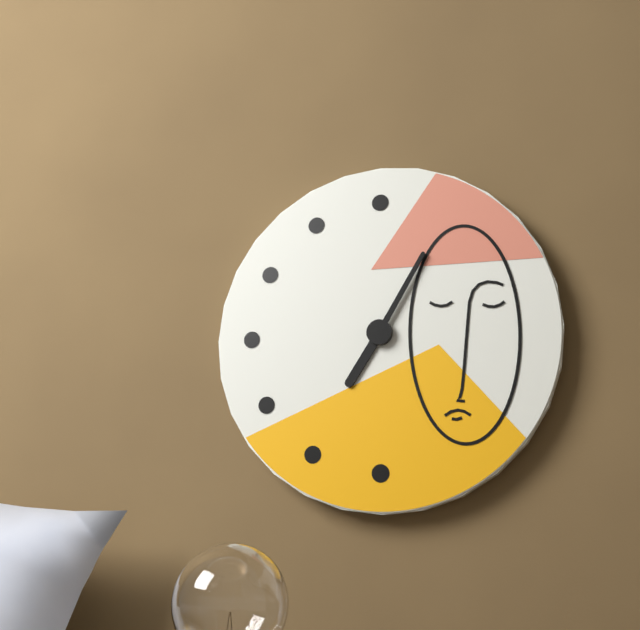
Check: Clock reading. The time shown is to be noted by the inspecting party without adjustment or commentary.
7:05
